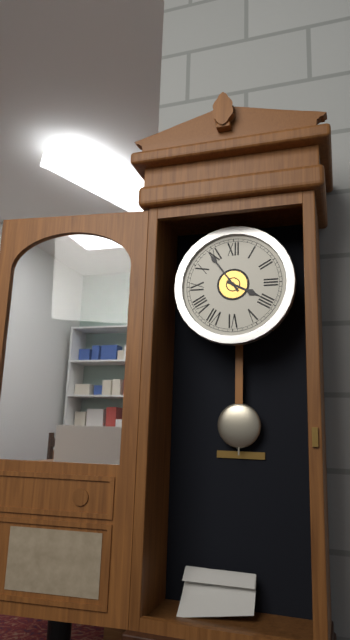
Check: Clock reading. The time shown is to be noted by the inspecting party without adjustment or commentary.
3:54
